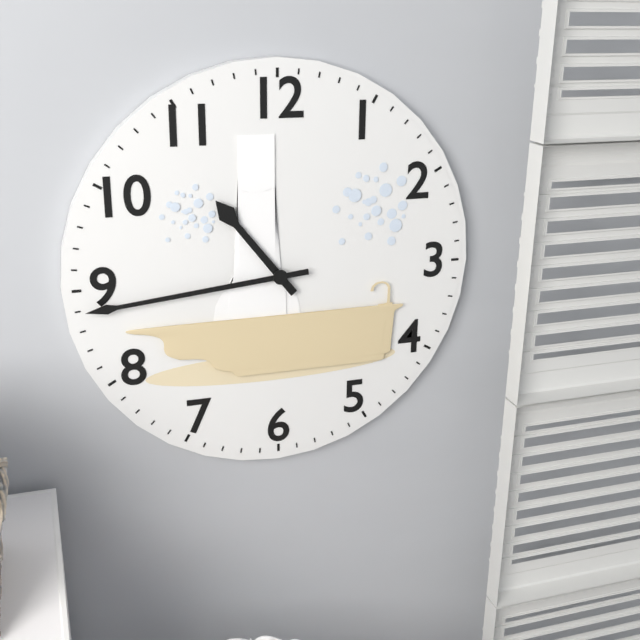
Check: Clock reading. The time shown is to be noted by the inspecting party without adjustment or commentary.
10:44
